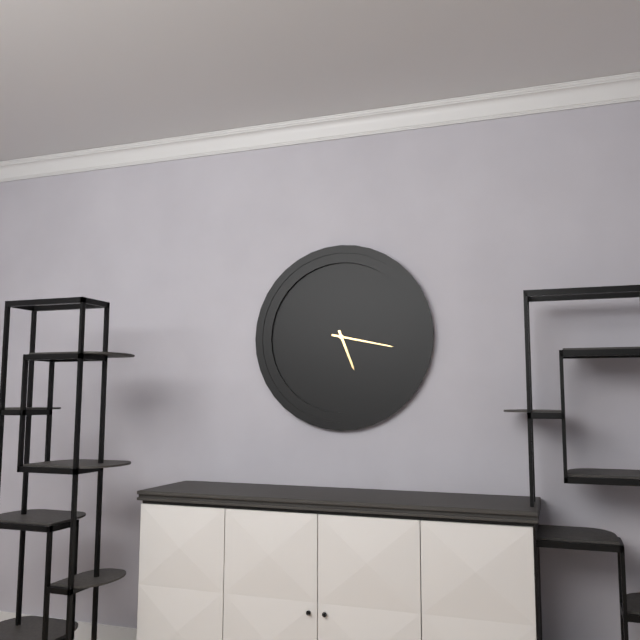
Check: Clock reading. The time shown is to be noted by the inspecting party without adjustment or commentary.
5:17
